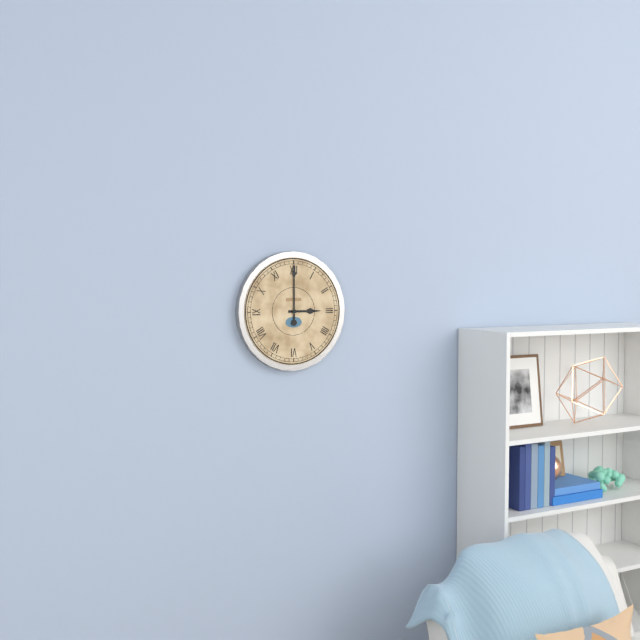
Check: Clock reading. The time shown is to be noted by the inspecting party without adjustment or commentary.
3:00
